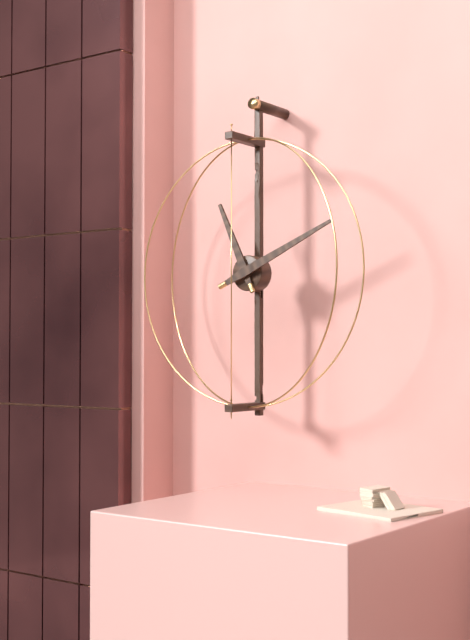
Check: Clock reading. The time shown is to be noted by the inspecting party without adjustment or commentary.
11:11
